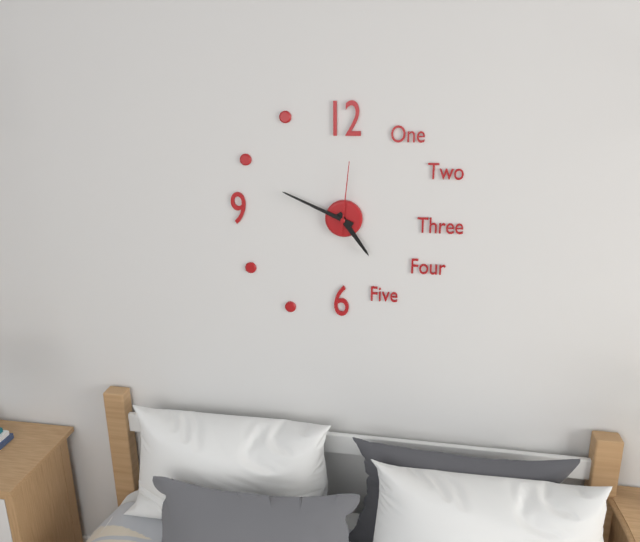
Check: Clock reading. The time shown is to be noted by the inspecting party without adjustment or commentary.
4:49:01
